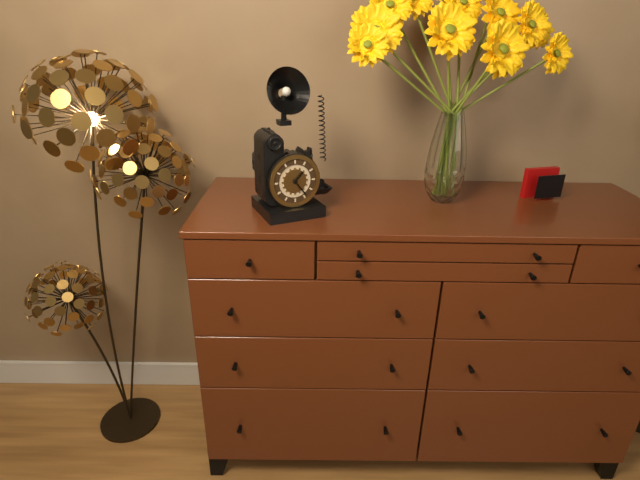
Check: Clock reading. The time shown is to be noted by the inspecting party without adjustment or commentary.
1:24
